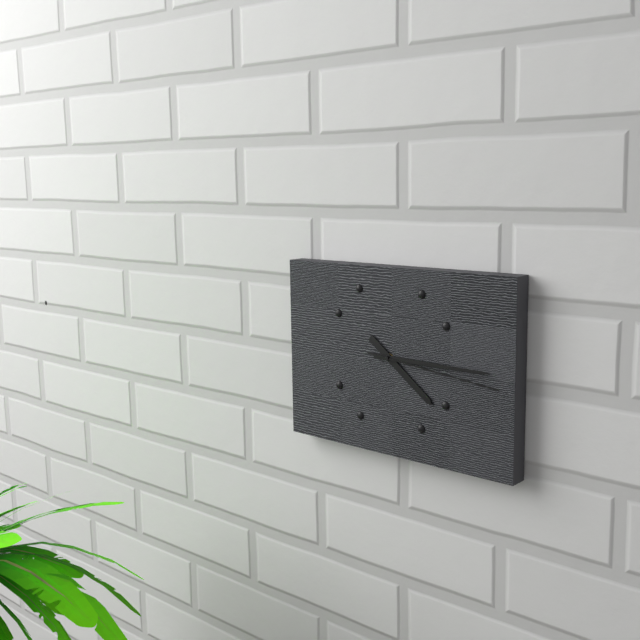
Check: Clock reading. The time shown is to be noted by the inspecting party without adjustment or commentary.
4:15:16
